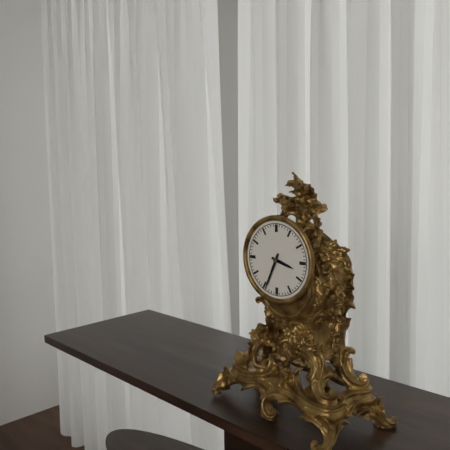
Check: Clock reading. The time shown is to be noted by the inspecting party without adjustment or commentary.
3:34
